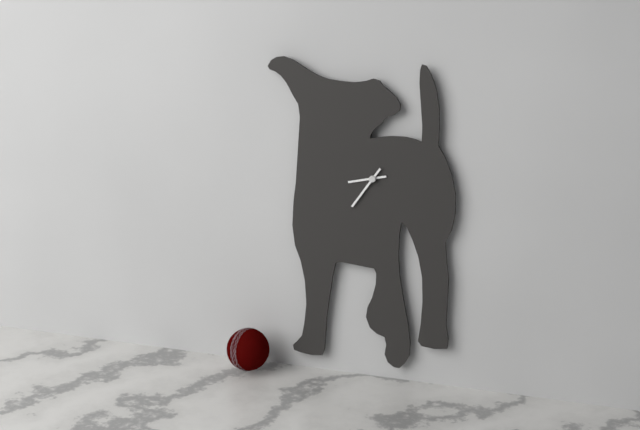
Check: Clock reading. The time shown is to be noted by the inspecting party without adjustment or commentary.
8:36
